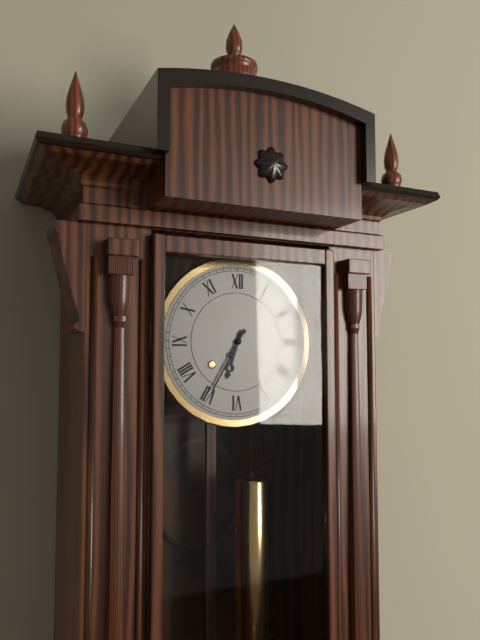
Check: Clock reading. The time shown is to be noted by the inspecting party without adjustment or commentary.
6:35
